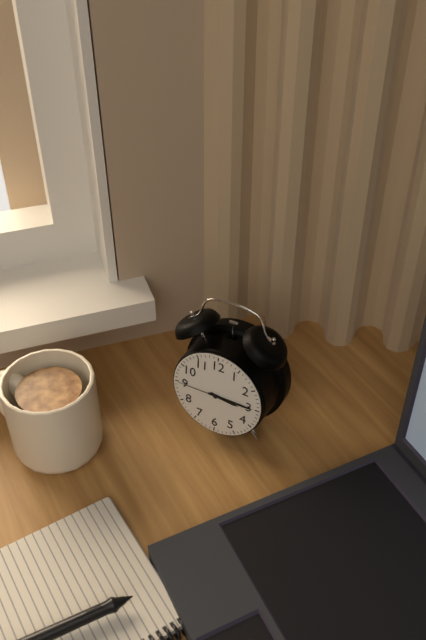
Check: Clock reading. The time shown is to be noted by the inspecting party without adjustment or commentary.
3:15:45
